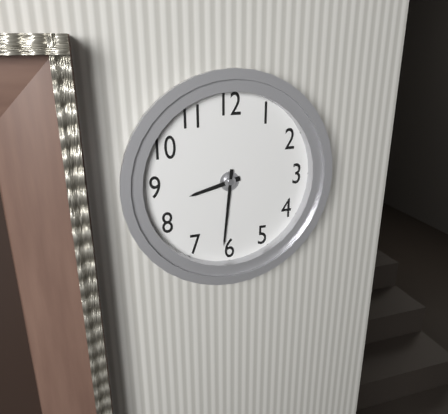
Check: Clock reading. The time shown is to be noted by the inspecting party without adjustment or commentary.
8:31
